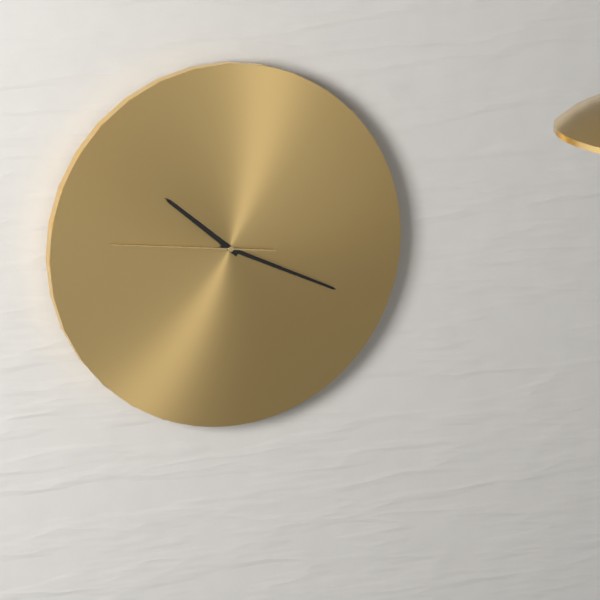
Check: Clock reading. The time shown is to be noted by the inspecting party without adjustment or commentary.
10:19:46
